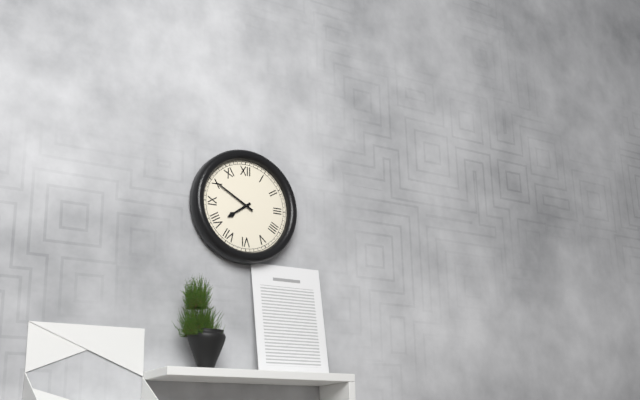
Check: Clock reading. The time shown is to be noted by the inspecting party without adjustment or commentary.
7:50
